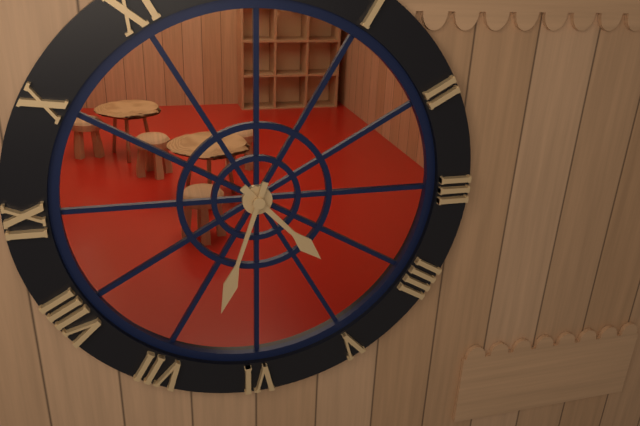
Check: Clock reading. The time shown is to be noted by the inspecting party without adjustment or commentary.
4:33
